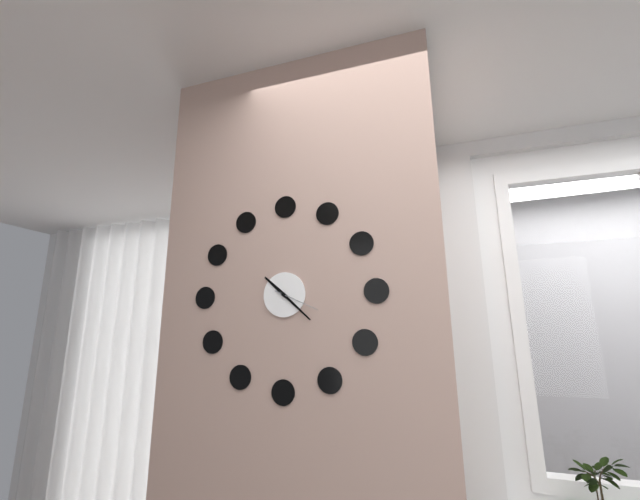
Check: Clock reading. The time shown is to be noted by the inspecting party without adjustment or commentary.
10:22
